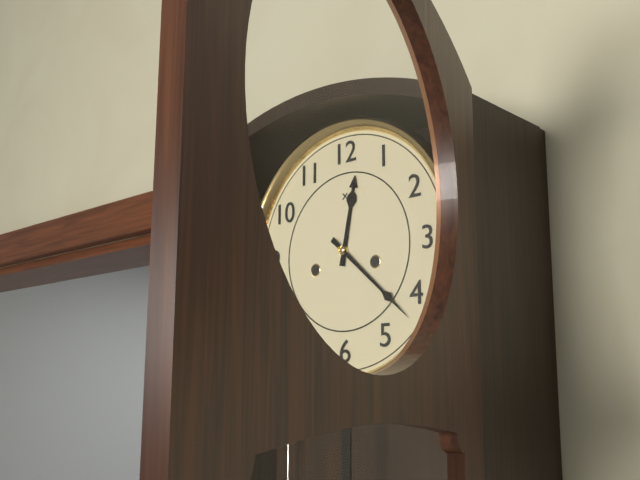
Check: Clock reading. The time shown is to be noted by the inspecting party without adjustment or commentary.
12:22
